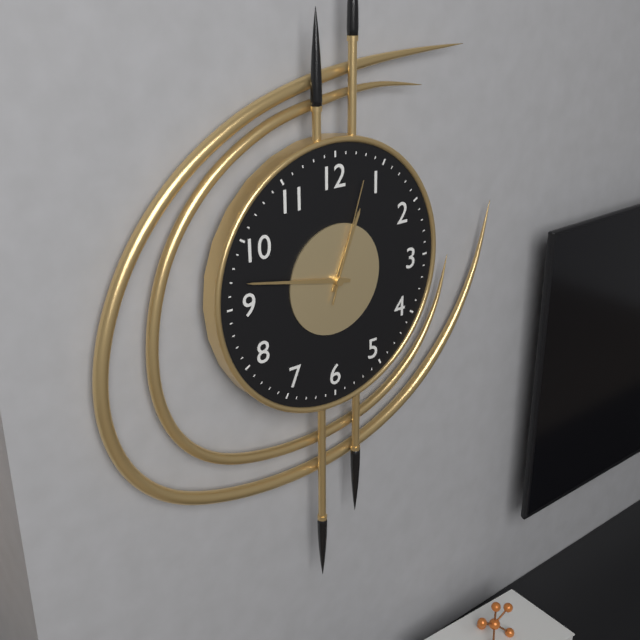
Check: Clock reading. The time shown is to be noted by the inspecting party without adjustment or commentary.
12:47:03
